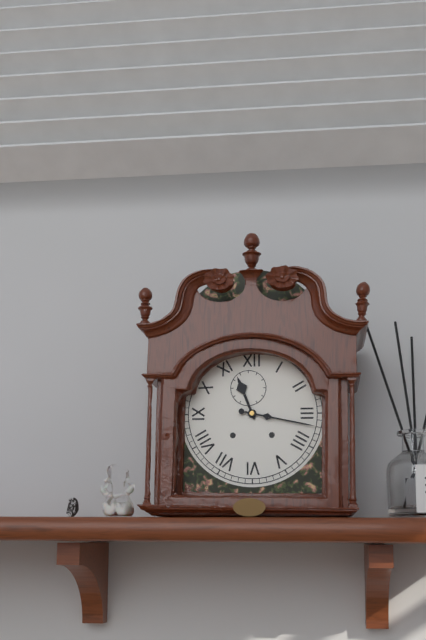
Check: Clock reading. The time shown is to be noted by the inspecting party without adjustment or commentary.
11:17
